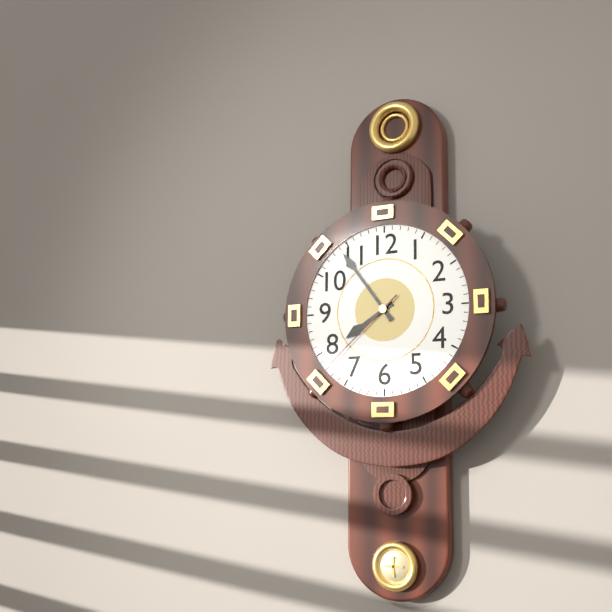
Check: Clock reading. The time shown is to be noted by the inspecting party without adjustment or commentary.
7:54:38
